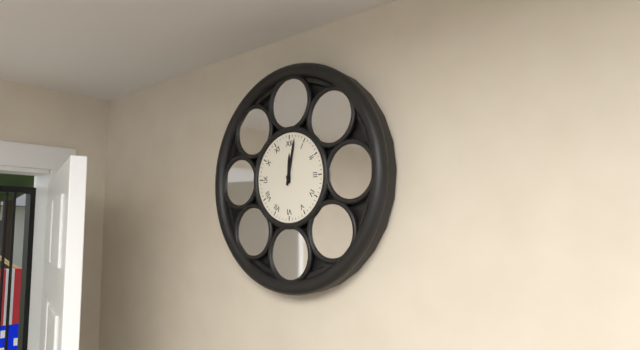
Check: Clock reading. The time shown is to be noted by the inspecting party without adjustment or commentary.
12:02
